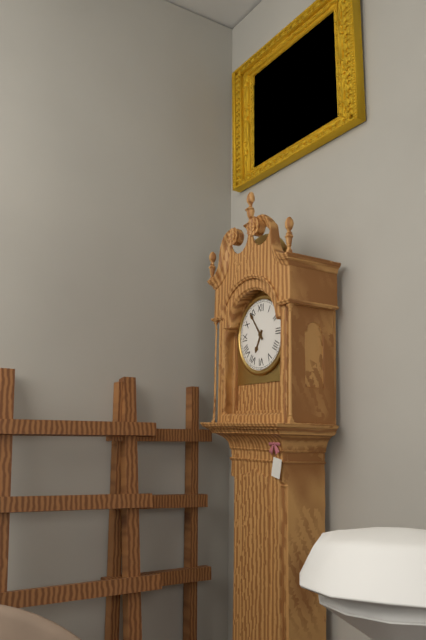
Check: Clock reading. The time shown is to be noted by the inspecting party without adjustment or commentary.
6:54
